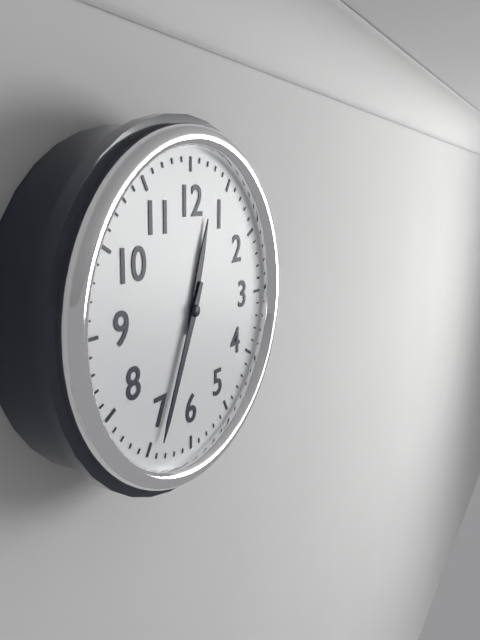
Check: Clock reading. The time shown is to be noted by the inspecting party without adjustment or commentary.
12:34
